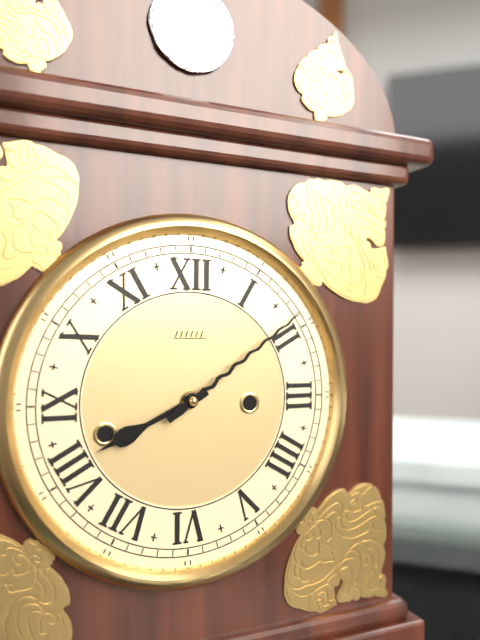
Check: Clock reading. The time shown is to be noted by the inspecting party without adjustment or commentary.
8:09
